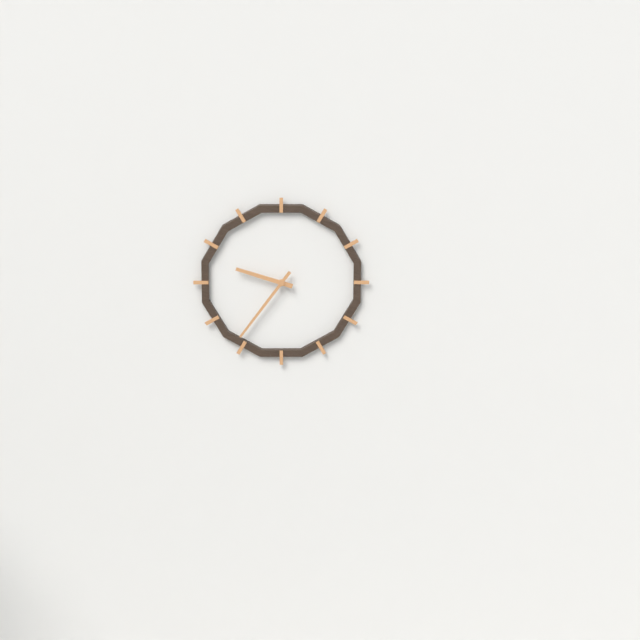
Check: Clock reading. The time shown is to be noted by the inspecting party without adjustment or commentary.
9:36
